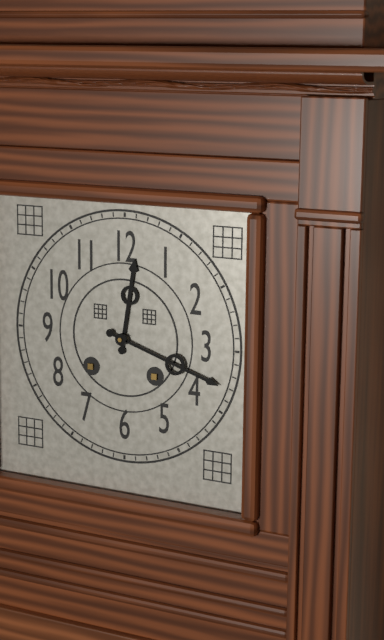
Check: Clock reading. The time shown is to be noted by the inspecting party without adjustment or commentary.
12:18
